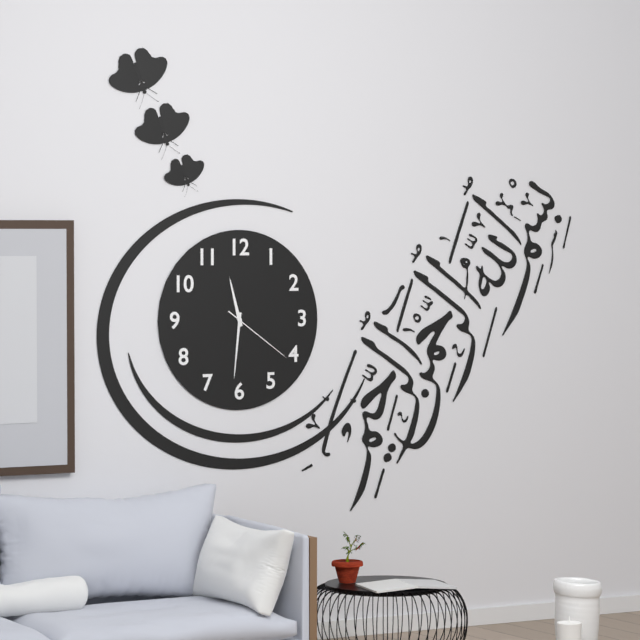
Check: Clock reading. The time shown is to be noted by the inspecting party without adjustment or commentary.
11:31:21
